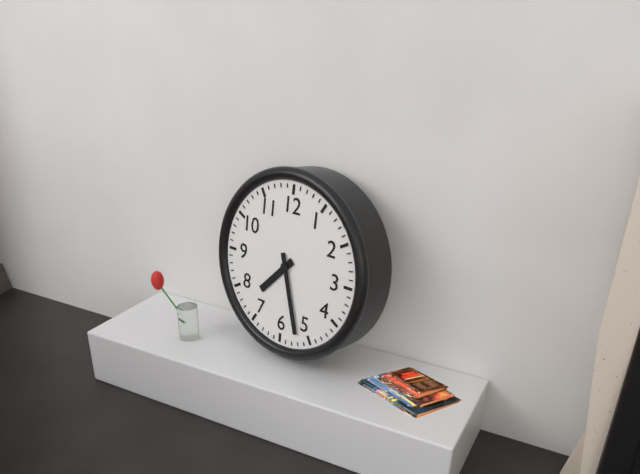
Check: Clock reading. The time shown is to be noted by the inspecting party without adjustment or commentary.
7:27
